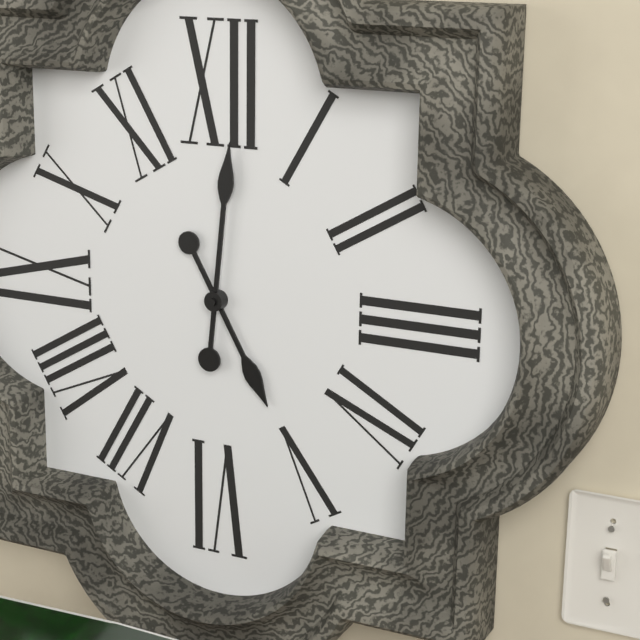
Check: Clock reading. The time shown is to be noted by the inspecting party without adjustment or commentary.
5:01
